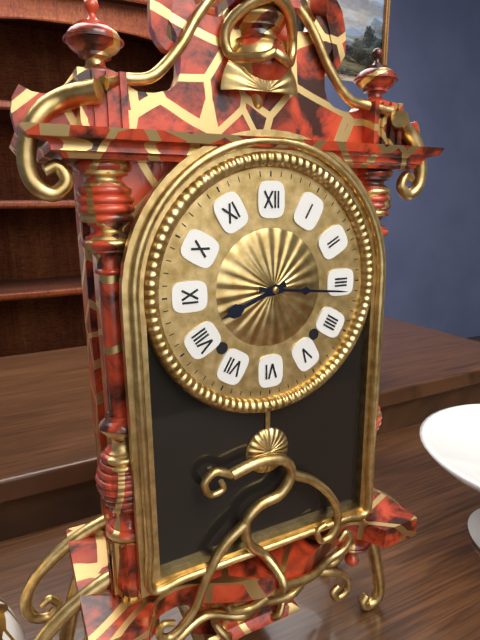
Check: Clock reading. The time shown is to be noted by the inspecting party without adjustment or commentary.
8:16
